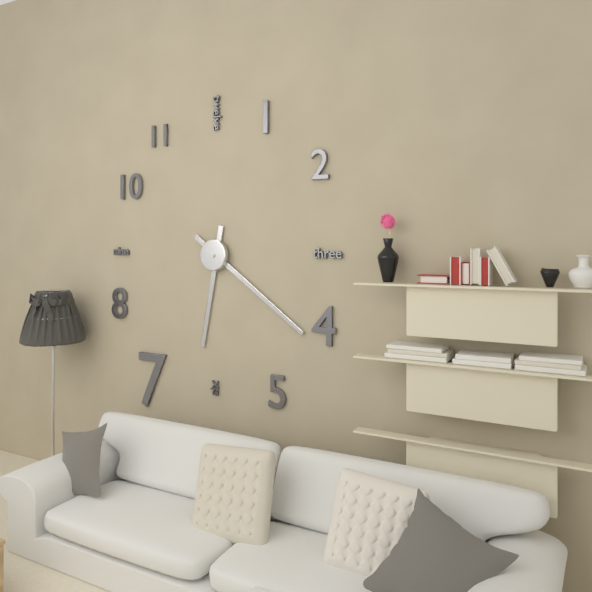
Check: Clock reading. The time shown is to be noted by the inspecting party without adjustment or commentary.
6:21
